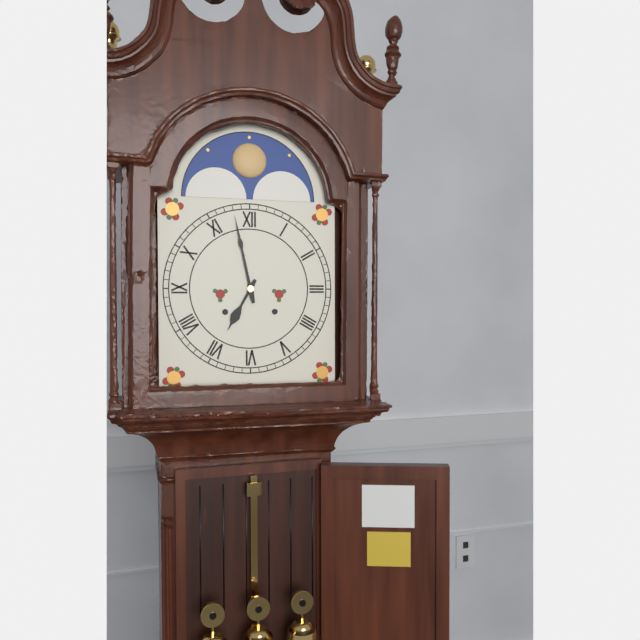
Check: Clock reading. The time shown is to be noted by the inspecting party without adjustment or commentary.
6:58
